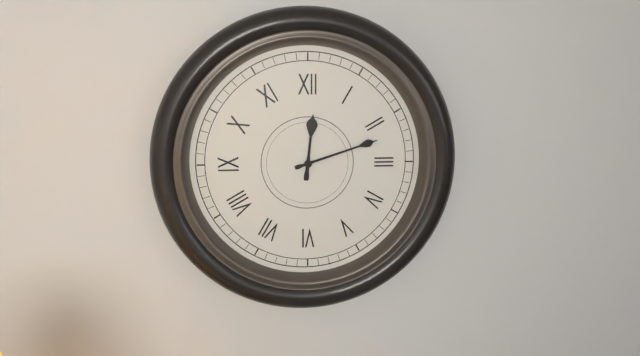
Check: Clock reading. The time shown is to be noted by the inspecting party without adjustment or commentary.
12:12
